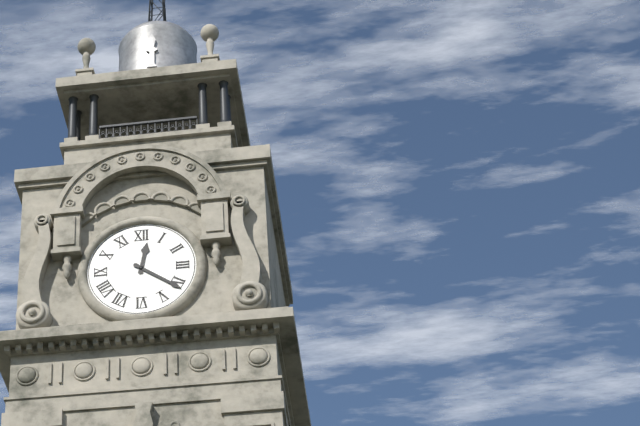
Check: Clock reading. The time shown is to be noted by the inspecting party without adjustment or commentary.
12:21
